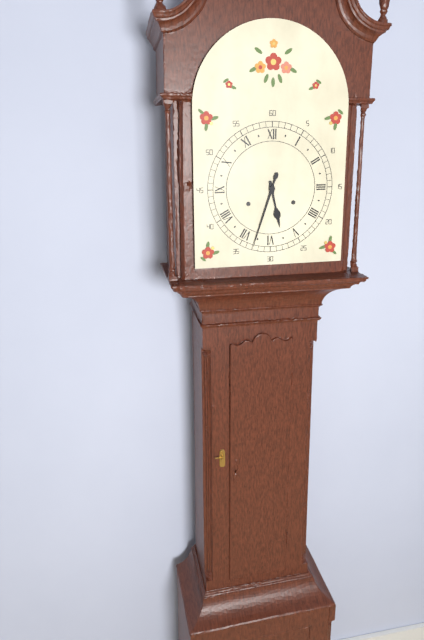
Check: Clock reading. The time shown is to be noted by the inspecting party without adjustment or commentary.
5:33
